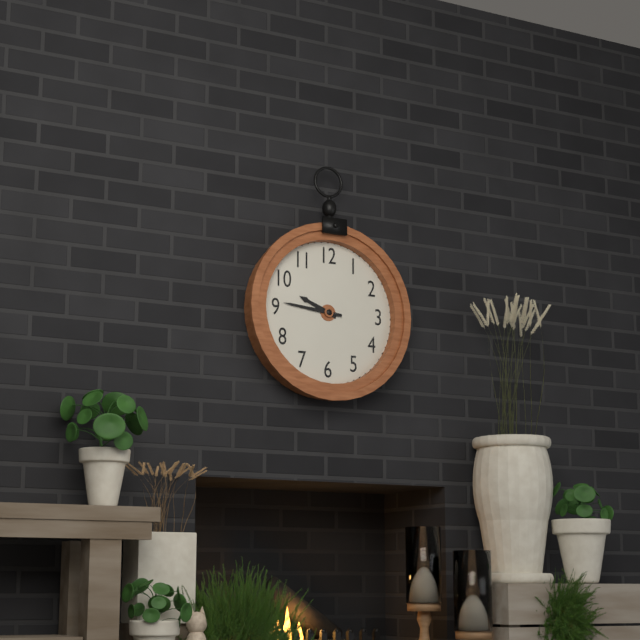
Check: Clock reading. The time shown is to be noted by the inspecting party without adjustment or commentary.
9:46
